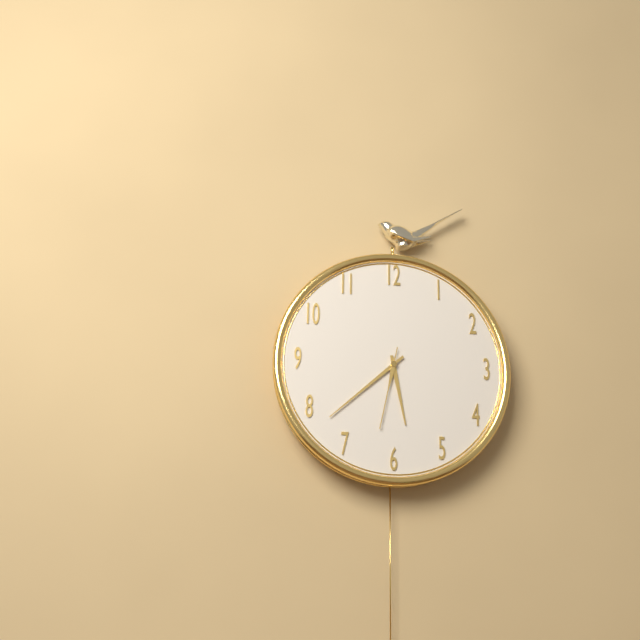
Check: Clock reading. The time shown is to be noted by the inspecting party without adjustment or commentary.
5:38:32
